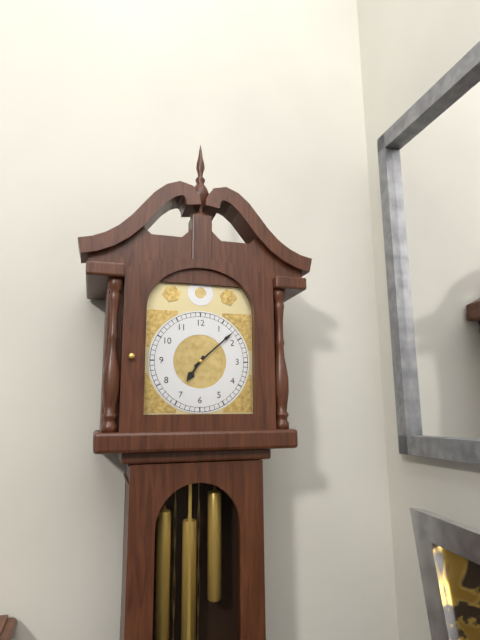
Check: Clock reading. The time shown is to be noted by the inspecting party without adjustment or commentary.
7:08
